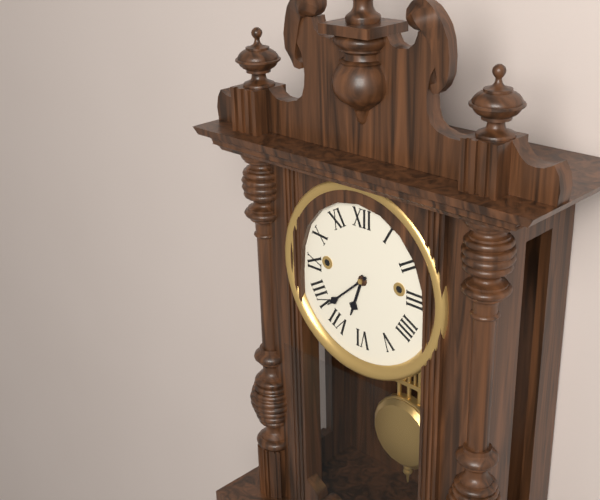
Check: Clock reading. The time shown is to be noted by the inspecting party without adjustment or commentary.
6:38
